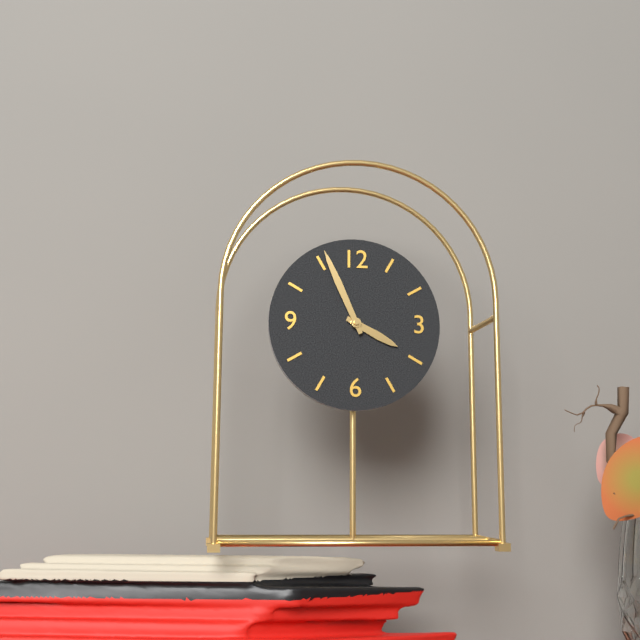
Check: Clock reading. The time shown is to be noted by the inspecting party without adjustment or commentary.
3:56
